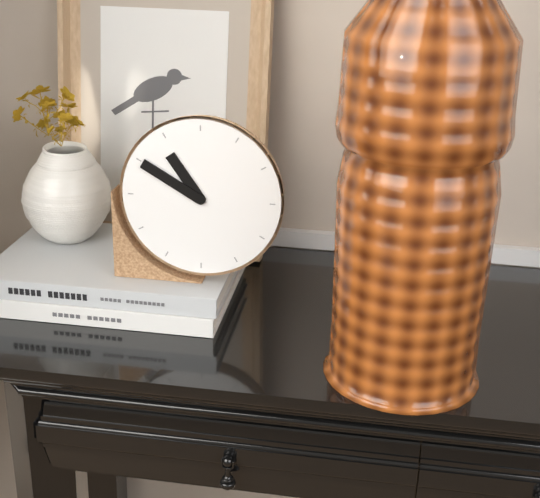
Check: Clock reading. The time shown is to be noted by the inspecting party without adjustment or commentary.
10:50
